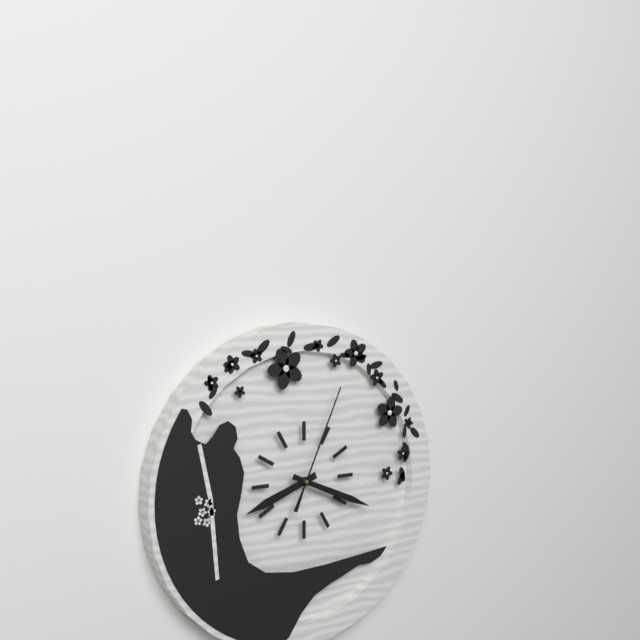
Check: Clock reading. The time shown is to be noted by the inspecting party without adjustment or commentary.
8:19:04
